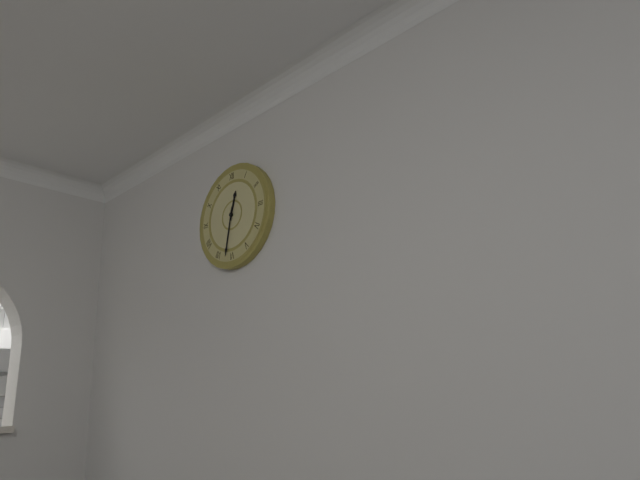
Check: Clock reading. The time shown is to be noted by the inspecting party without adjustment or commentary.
12:32
